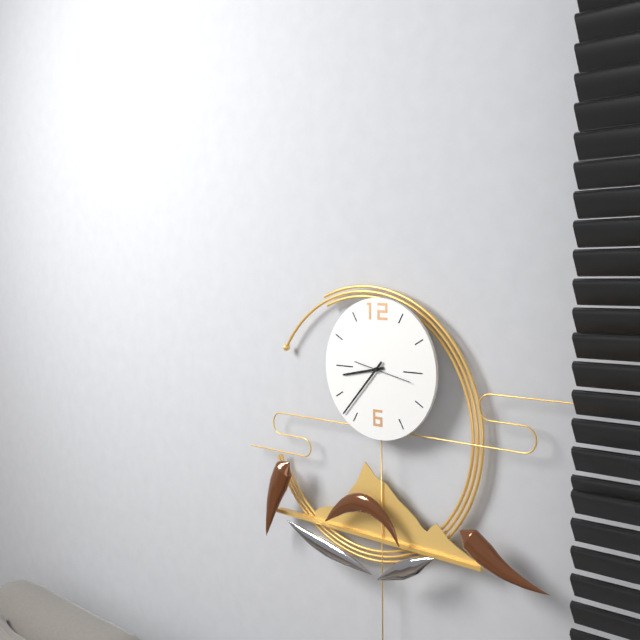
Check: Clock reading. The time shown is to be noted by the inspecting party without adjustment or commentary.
8:37
